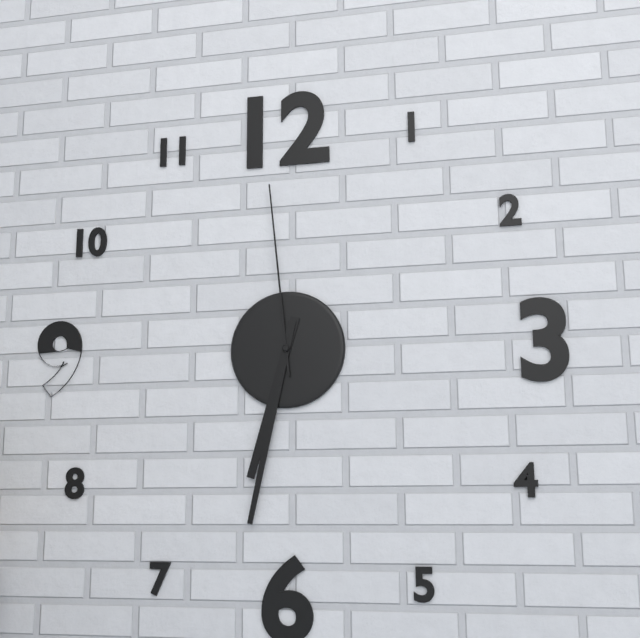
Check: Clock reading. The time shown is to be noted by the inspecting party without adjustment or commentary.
6:32:59
